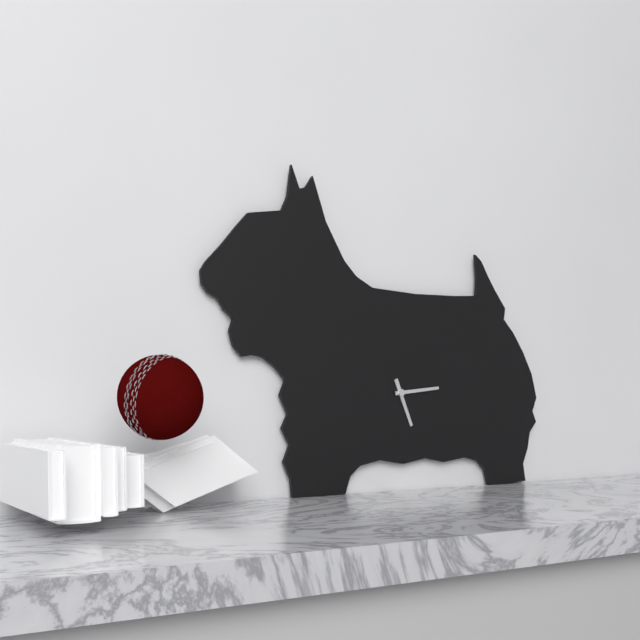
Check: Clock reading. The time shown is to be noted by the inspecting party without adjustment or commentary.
5:14
